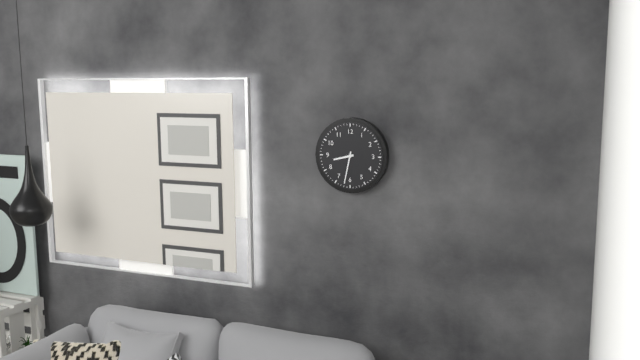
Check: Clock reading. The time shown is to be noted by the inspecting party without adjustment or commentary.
8:32
